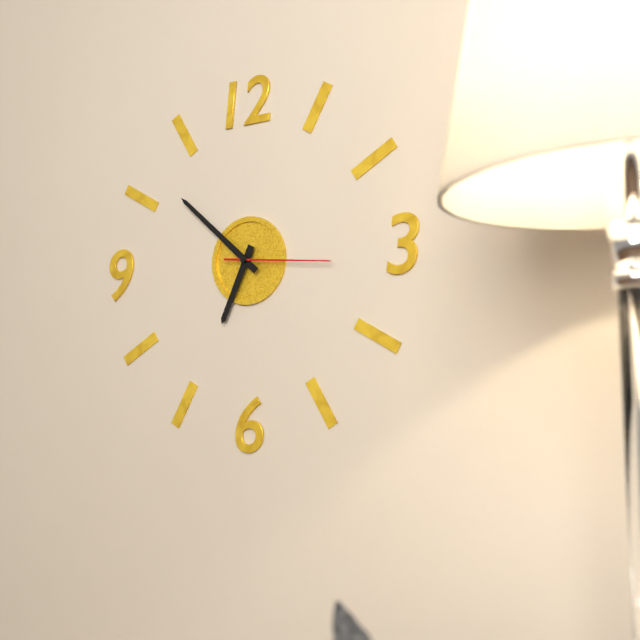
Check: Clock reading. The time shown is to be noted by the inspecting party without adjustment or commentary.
6:52:16
